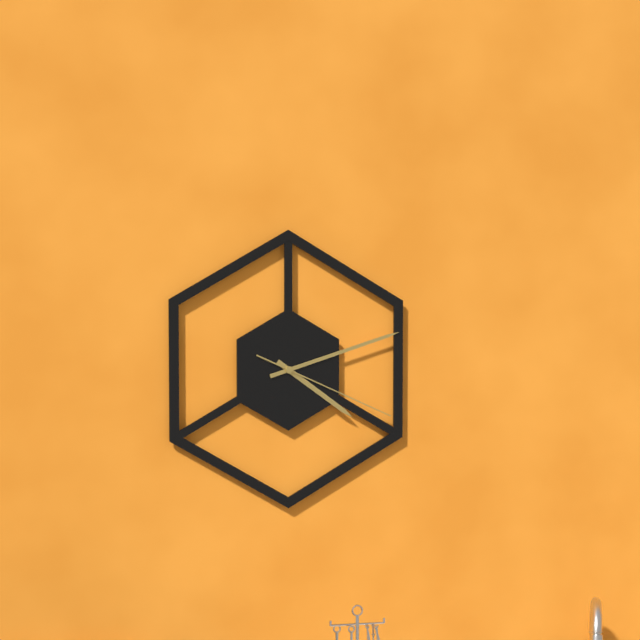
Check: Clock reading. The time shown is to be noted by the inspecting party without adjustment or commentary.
4:12:19
